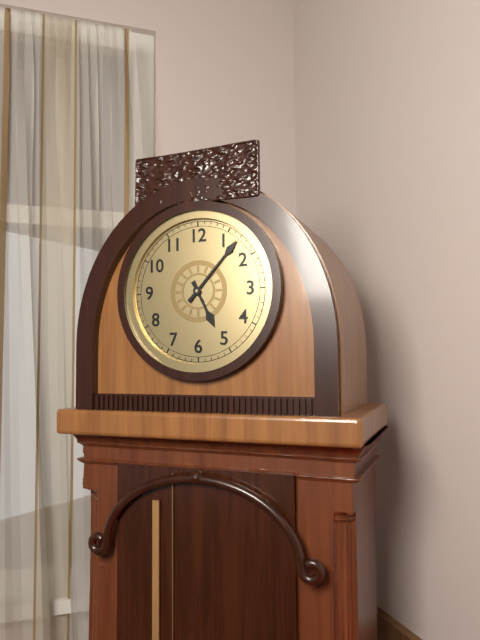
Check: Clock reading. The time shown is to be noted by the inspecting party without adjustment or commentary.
5:07
